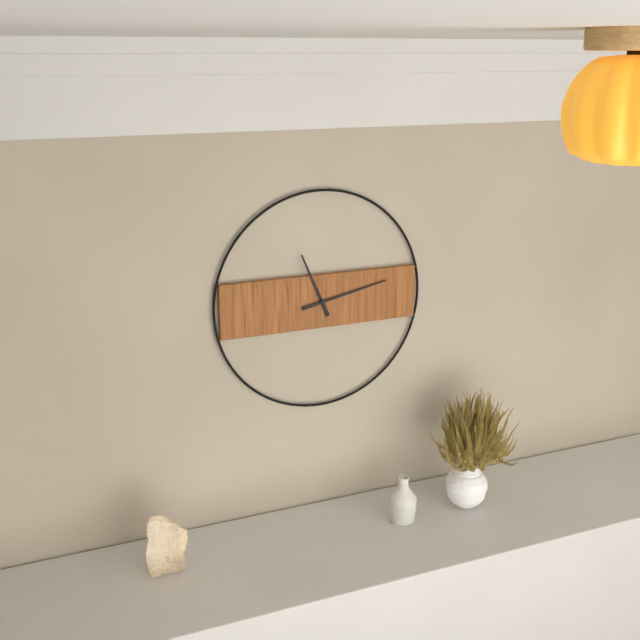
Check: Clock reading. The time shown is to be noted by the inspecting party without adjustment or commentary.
11:13
